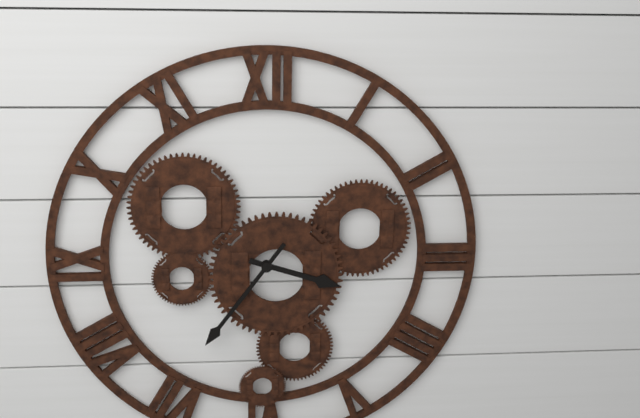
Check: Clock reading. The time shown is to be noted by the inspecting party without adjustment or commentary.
3:36
